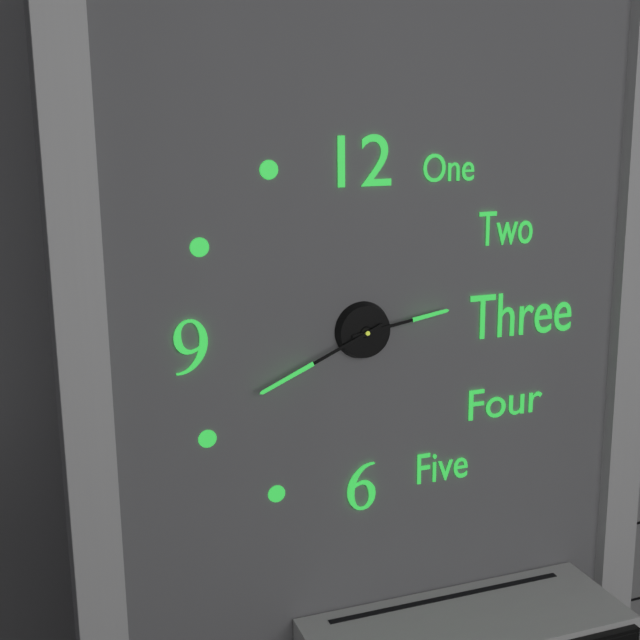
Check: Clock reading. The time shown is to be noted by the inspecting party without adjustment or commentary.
2:41
